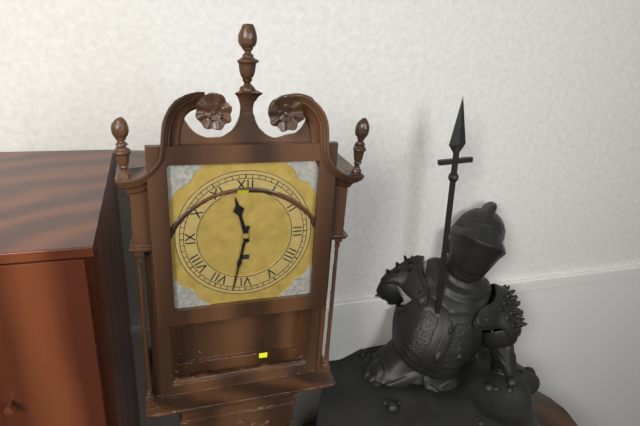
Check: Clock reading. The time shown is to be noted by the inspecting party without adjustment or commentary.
11:32
